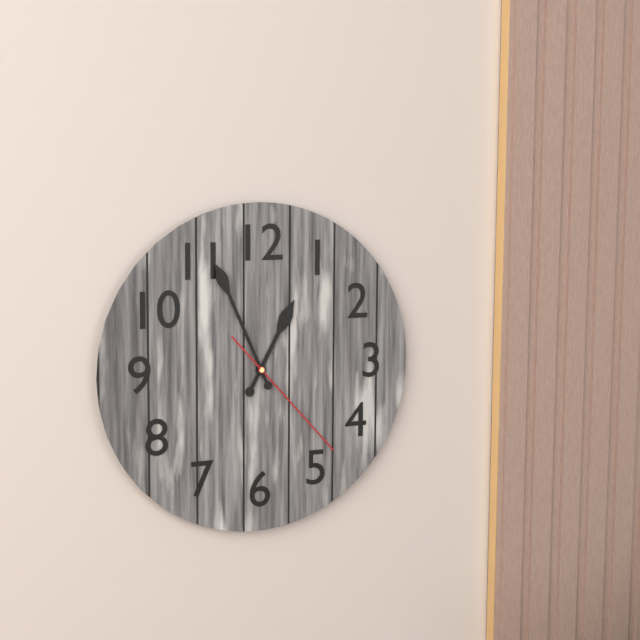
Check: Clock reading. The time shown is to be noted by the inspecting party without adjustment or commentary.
12:56:23
